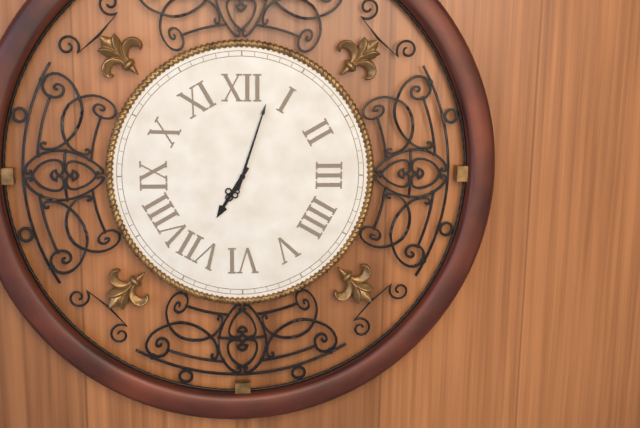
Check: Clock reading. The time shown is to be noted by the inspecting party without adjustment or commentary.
7:03
